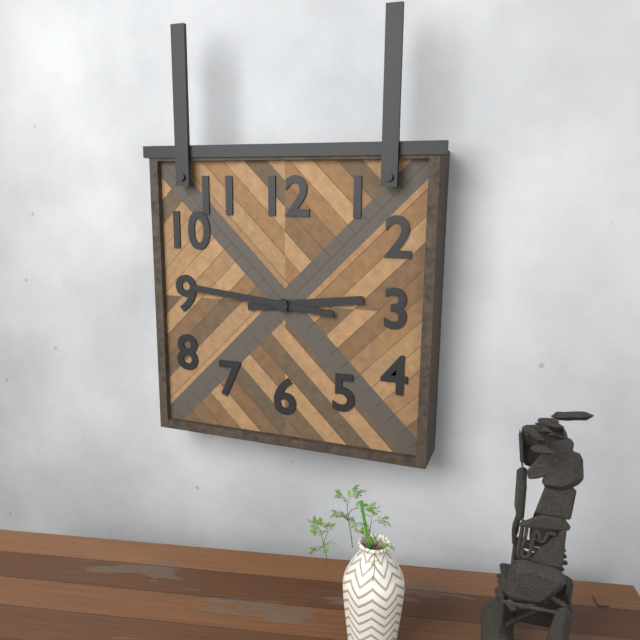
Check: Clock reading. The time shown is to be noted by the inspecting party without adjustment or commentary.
2:46
